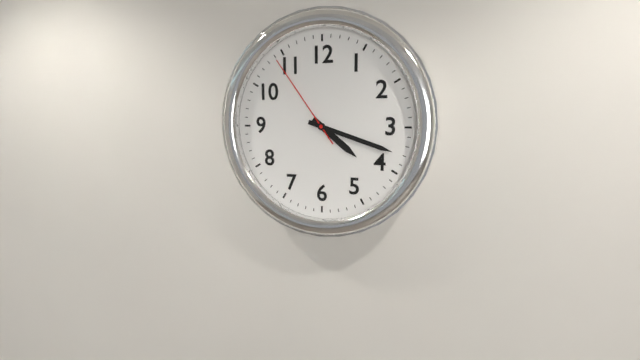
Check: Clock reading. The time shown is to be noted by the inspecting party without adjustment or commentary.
4:18:54
